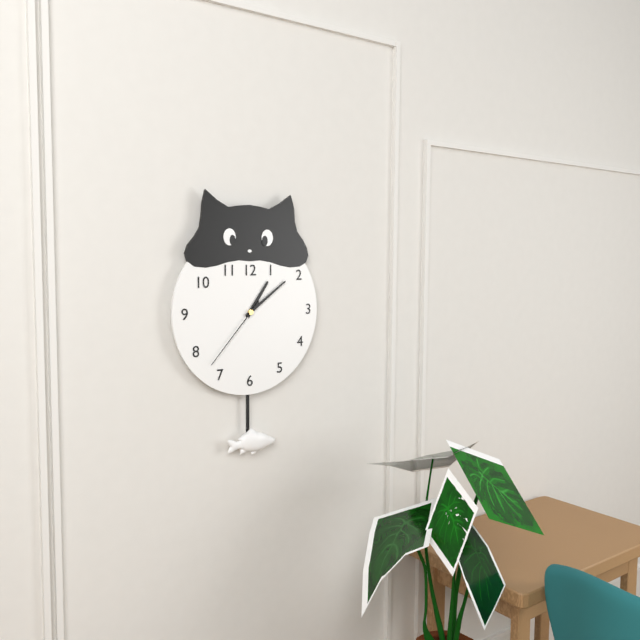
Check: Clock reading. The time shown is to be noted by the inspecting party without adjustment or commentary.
1:09:37
